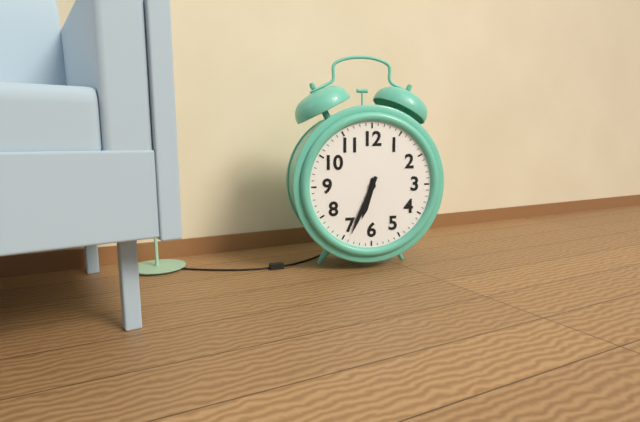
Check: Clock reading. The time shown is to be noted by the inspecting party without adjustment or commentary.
6:34
